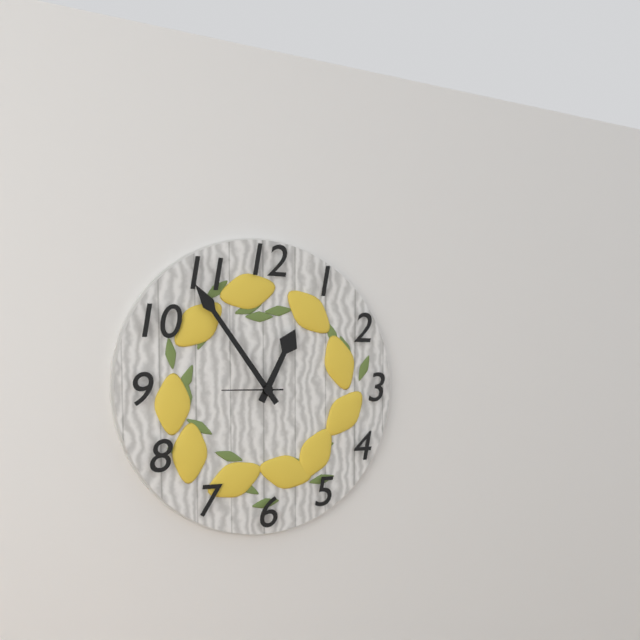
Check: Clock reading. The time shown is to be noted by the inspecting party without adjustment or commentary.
12:54:45
